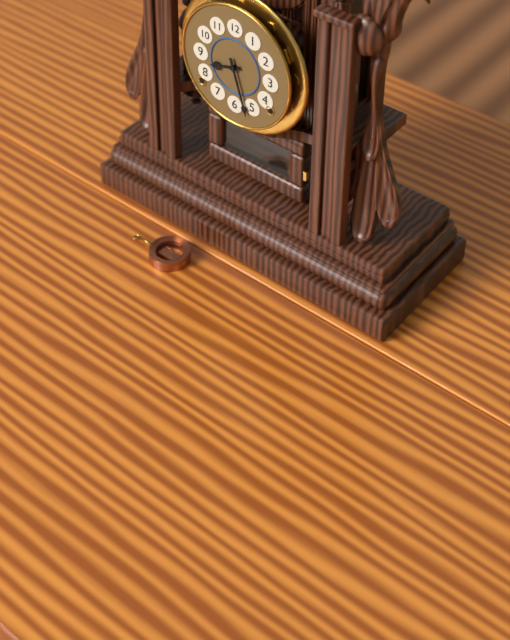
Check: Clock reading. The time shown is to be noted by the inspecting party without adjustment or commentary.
8:27
